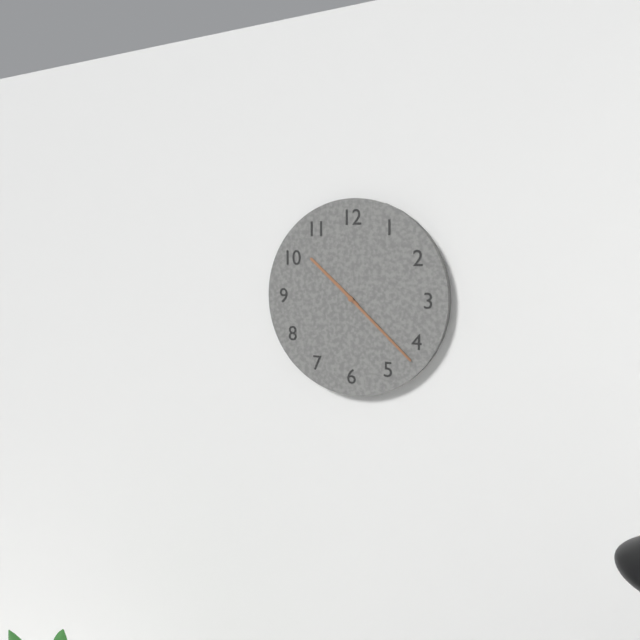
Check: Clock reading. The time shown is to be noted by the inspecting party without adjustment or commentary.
10:22
